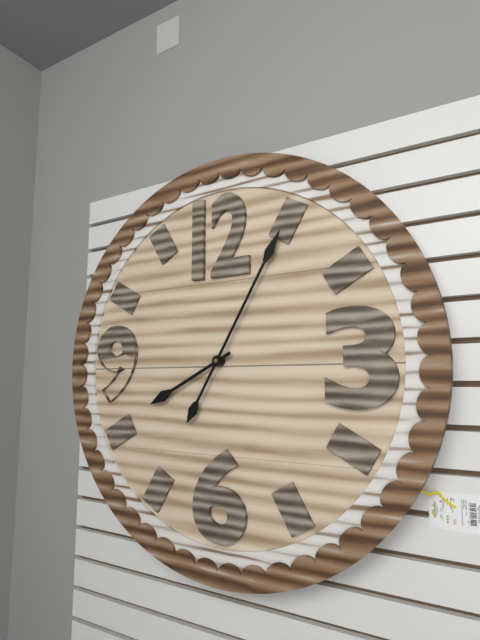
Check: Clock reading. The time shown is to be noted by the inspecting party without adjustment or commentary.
8:05
